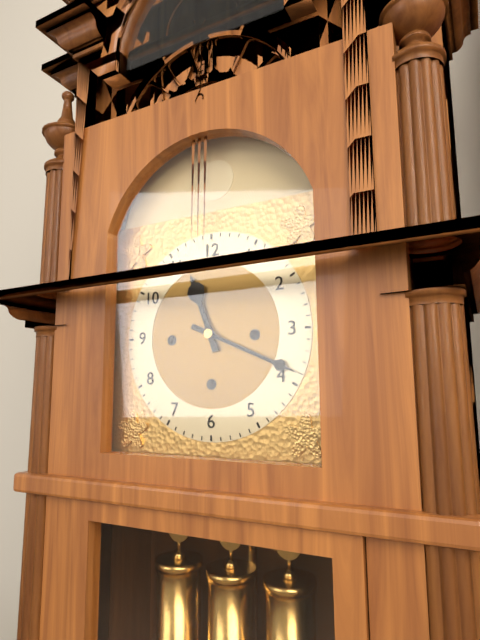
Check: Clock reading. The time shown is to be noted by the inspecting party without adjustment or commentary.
11:19
